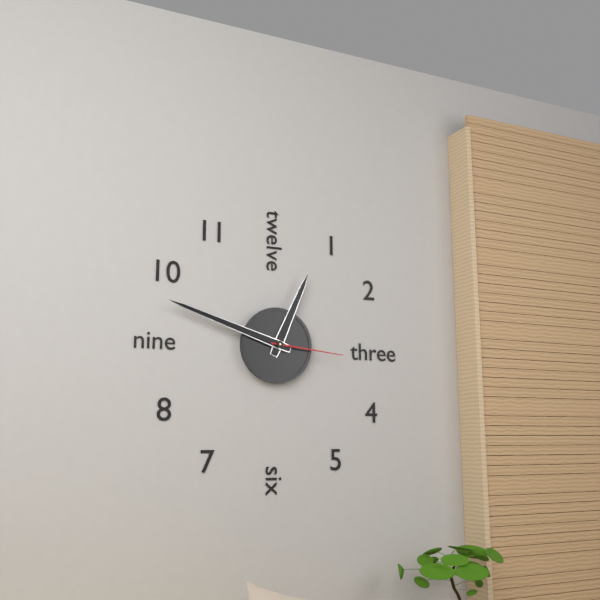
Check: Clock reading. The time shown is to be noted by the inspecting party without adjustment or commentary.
12:48:16
